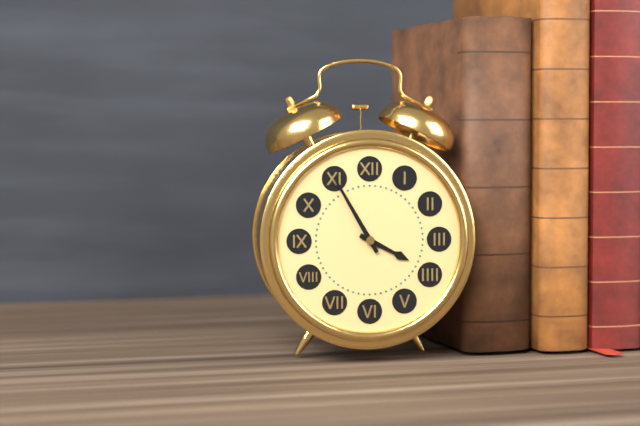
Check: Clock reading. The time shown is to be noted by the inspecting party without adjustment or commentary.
3:55
